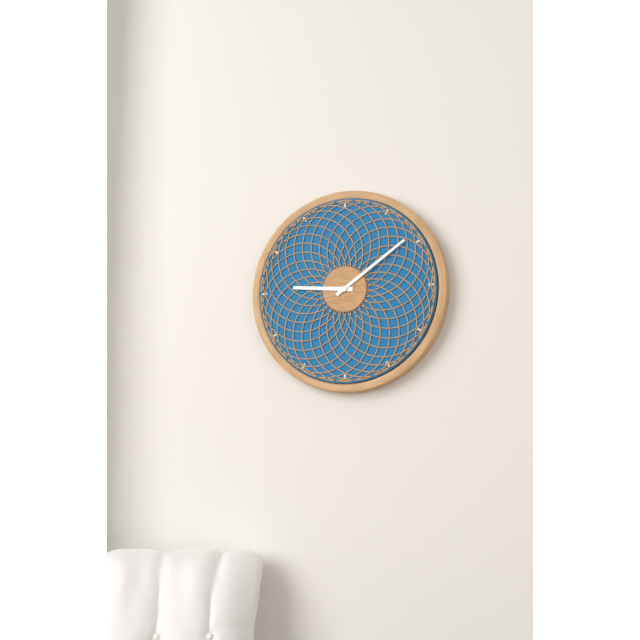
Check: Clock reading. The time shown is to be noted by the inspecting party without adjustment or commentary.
9:09
